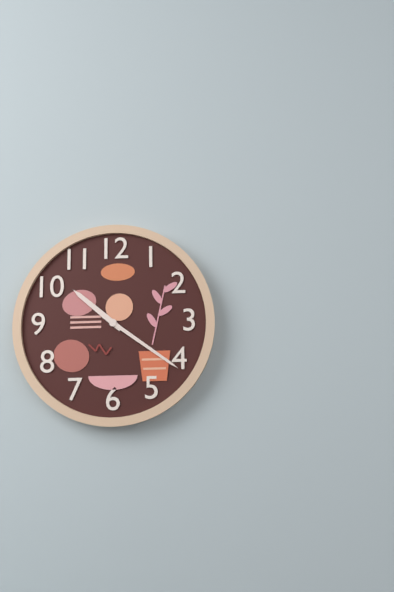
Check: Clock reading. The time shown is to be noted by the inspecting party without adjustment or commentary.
10:21
